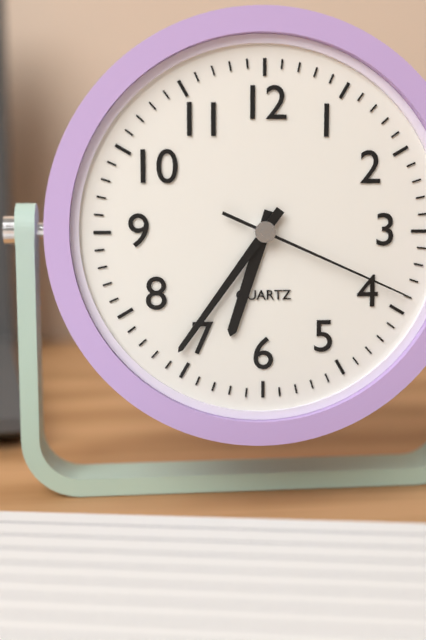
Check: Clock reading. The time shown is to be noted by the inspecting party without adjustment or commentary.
6:36:19
